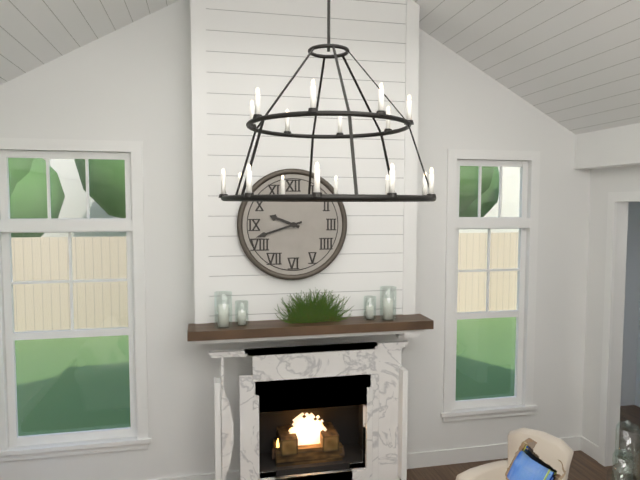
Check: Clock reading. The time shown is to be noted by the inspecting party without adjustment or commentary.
9:42
